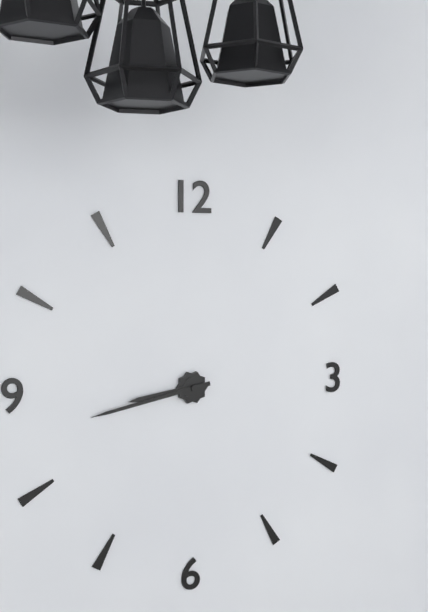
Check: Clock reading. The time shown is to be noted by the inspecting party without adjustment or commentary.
8:43
